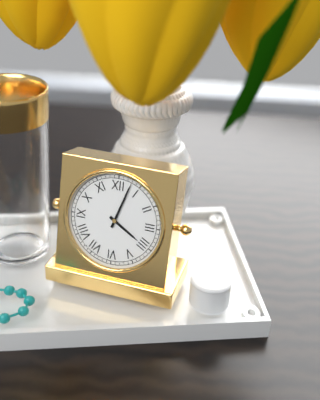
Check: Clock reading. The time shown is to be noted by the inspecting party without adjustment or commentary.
4:03
